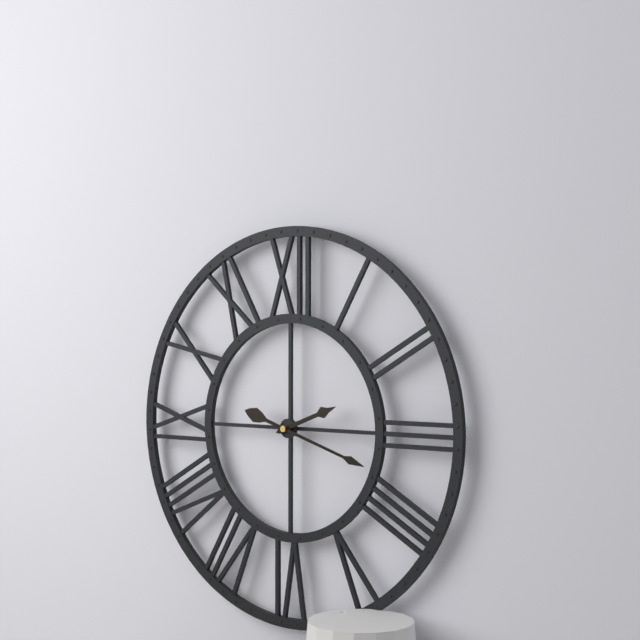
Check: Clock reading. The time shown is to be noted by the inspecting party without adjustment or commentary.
2:18
